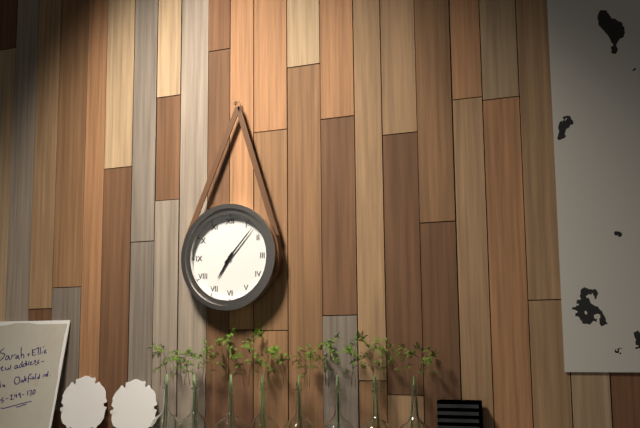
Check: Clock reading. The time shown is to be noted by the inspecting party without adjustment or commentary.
7:07
